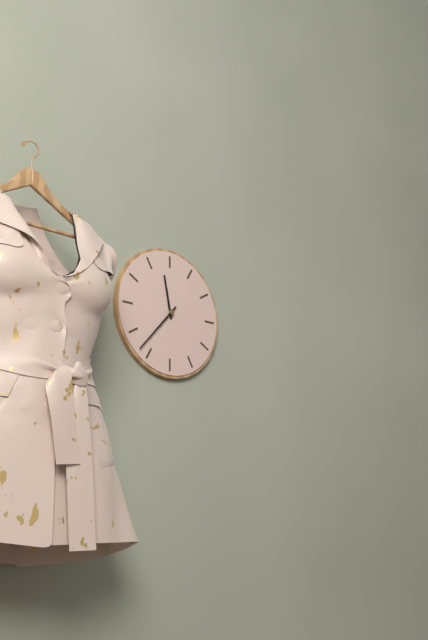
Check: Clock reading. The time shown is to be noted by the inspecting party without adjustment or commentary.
11:37
